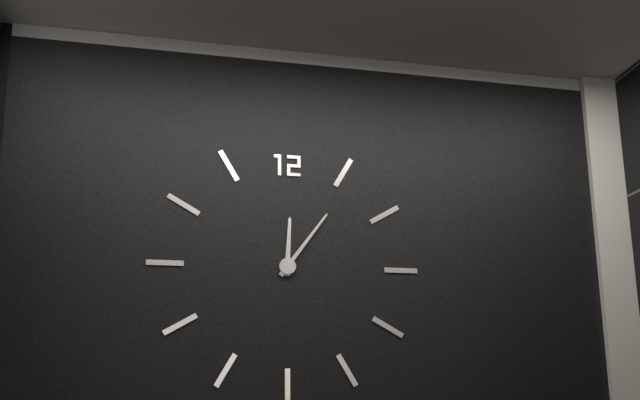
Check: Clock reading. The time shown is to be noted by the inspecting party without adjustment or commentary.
12:06
